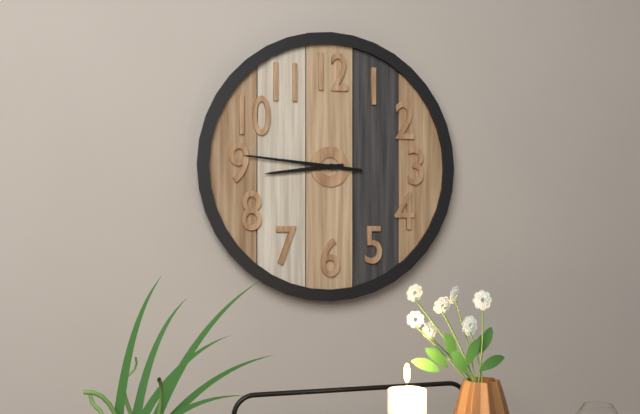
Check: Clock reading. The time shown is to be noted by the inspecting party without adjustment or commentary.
8:46
